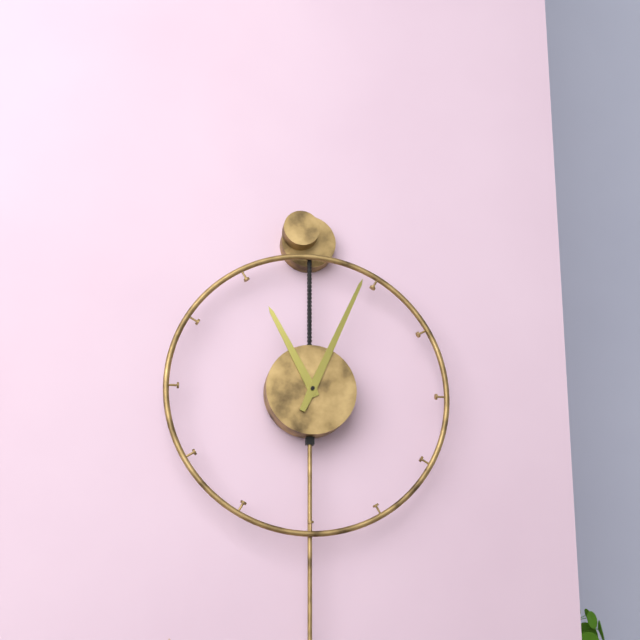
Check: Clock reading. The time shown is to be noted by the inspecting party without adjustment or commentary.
11:04
